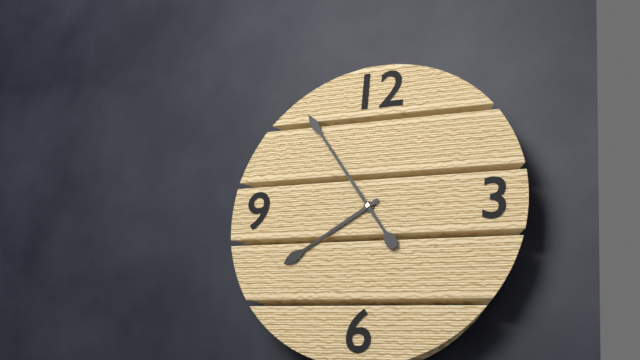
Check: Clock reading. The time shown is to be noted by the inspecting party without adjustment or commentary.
7:54
